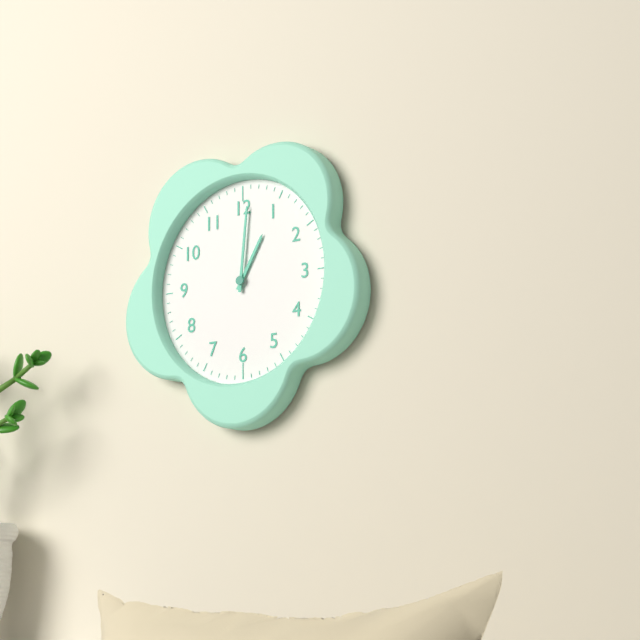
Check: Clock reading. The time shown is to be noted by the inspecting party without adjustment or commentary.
1:01
